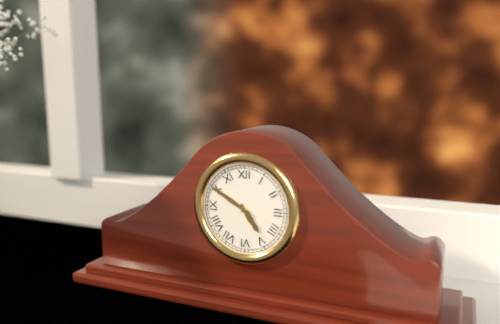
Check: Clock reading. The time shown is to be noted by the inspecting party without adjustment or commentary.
4:50
